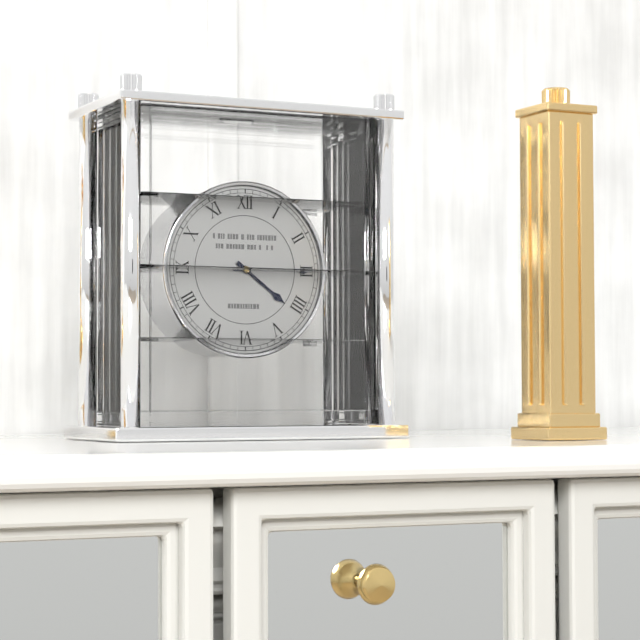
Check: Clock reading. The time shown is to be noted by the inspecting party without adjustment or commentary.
4:15
